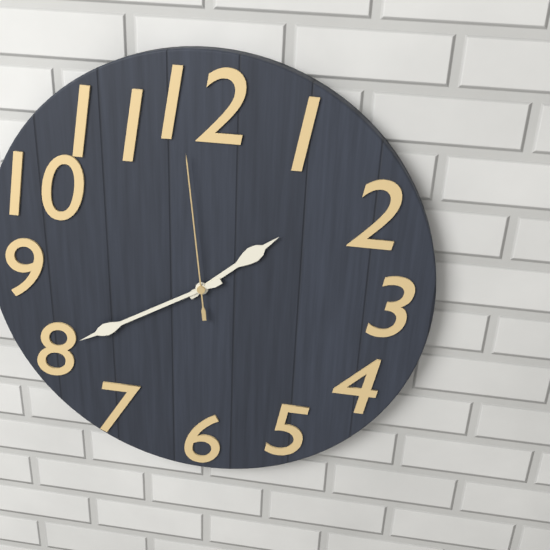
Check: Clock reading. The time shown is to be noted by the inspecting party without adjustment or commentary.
1:40:59
